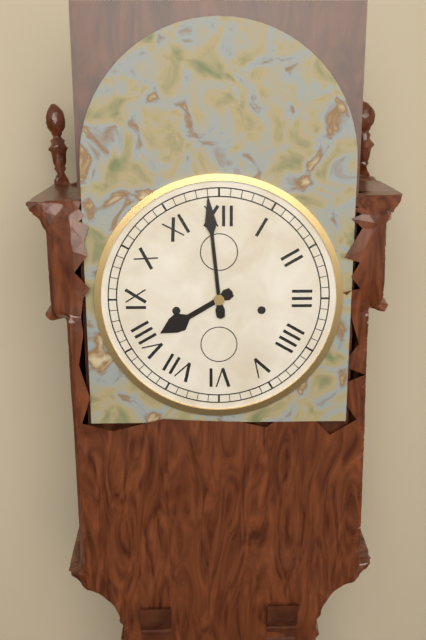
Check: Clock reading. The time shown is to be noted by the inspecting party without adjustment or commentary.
7:59
